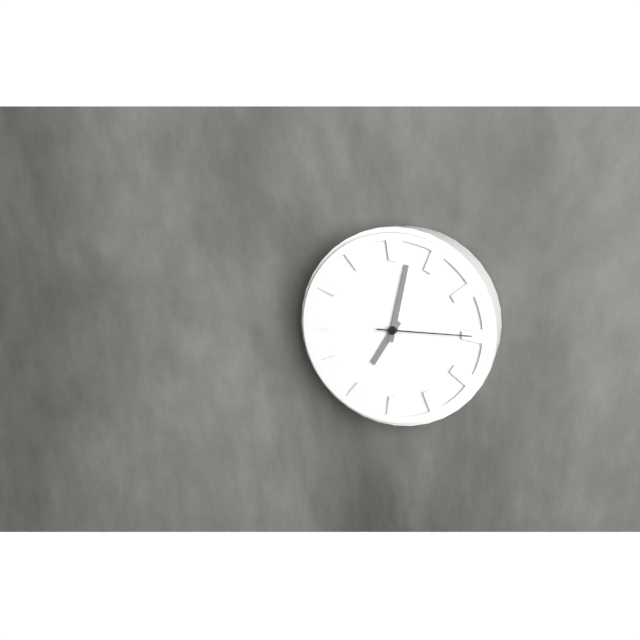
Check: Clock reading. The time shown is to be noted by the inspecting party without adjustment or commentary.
7:02:15
